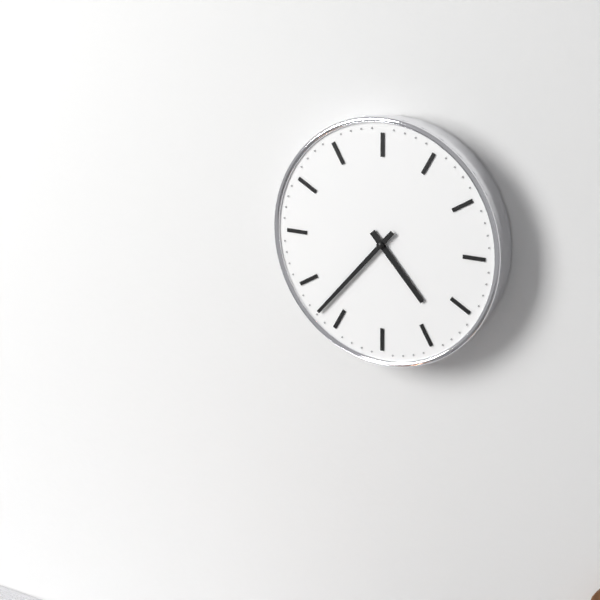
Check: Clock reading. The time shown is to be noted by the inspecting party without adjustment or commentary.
4:37
